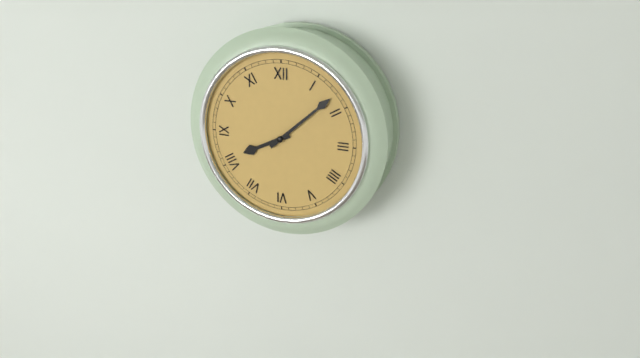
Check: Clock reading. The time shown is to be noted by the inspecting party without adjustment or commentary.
8:08
